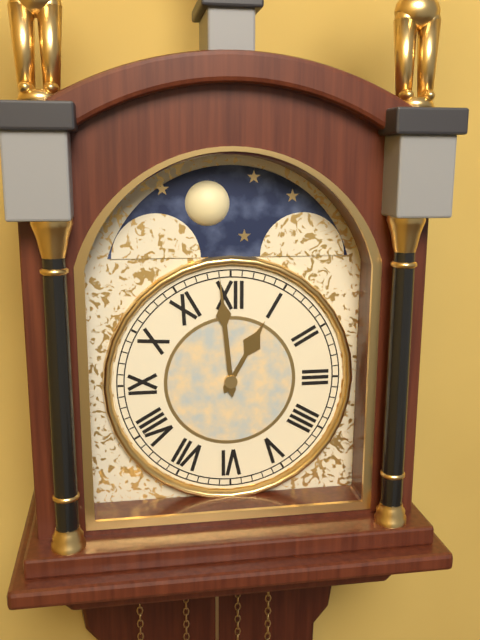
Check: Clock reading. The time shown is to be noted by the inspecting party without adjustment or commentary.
12:59
